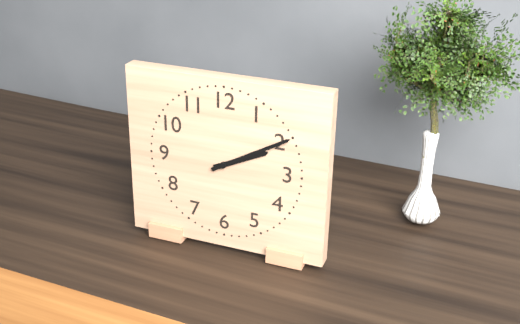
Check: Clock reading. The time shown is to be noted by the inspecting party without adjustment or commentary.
2:10
